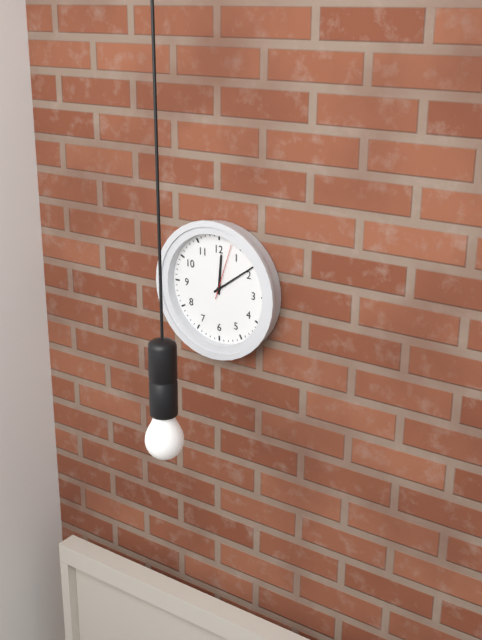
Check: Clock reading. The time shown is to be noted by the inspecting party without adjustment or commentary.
12:09:03
